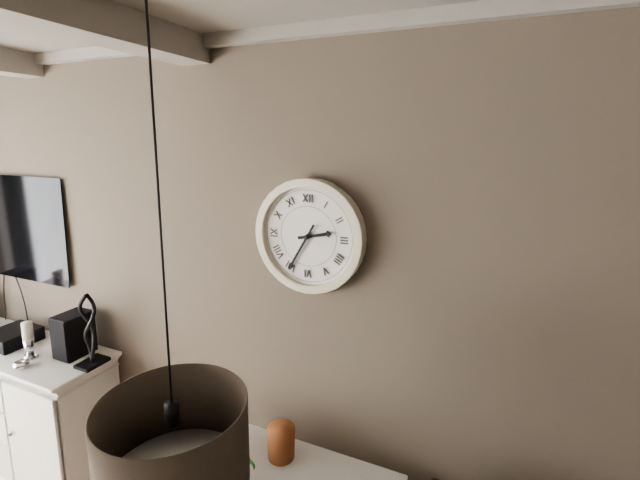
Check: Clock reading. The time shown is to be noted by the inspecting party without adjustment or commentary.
2:35
